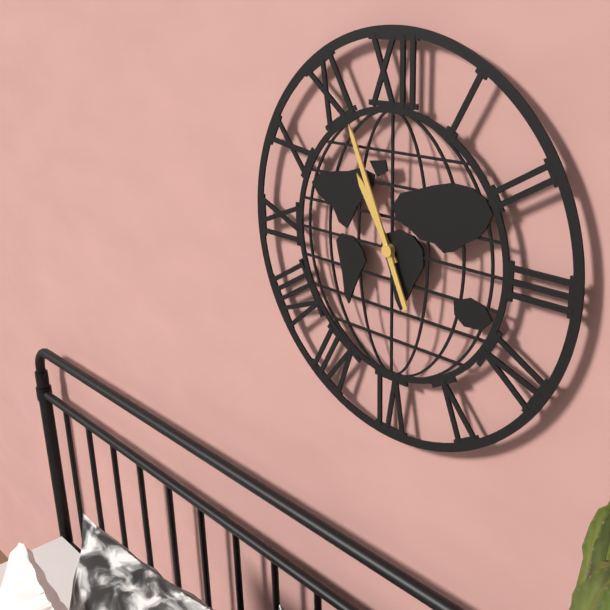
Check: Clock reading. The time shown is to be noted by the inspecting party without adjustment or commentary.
10:56
